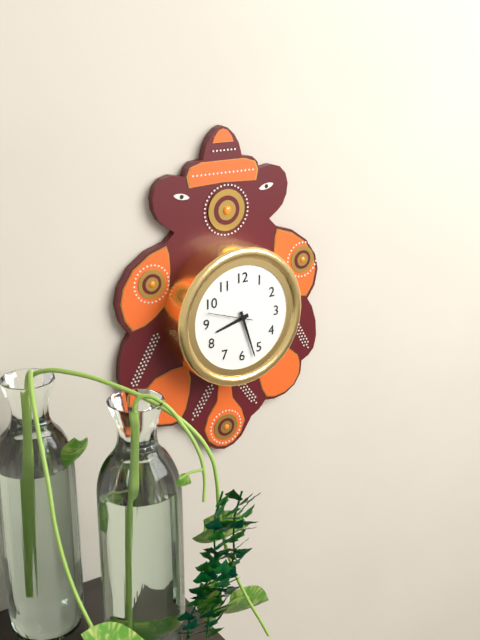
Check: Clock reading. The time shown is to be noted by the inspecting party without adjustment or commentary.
8:27
